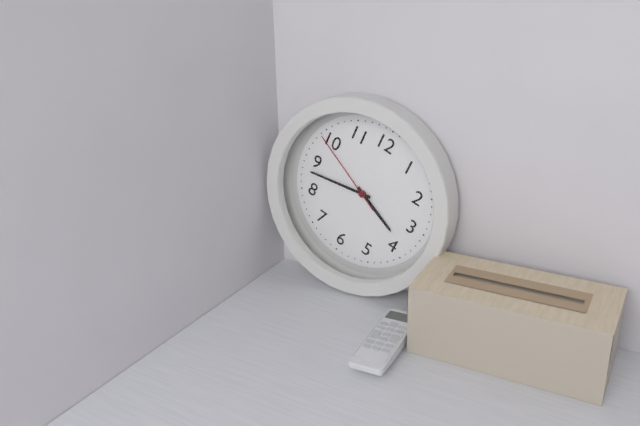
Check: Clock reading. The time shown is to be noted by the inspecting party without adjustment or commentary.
3:43:49
